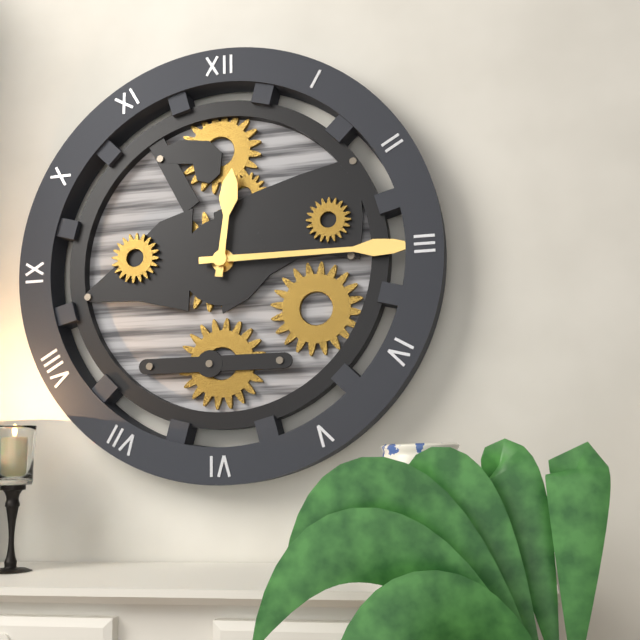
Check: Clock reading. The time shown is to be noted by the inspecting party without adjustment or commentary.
12:15
